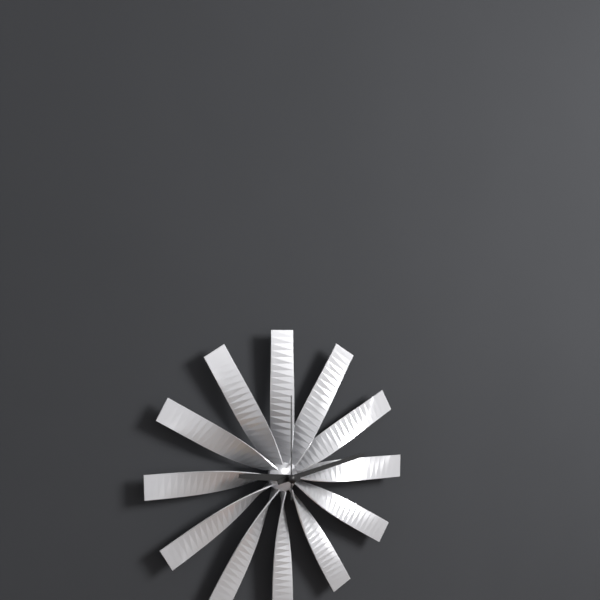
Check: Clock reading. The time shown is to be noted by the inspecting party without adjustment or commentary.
9:13:00
